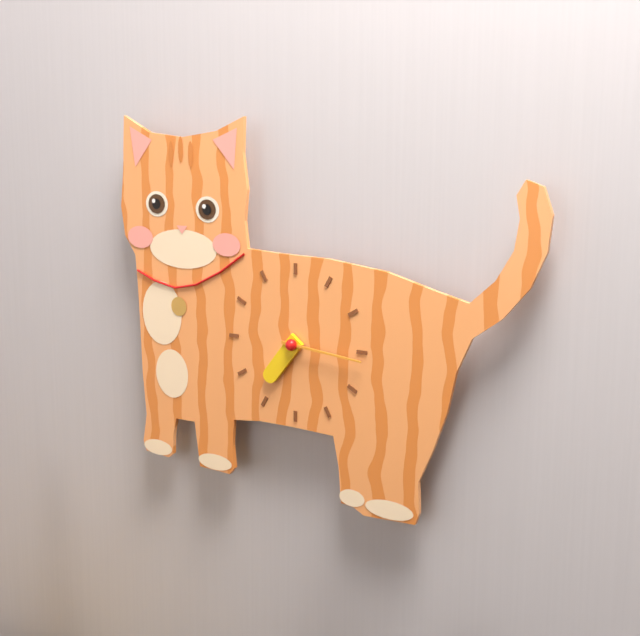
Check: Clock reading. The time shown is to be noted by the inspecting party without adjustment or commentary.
7:16
